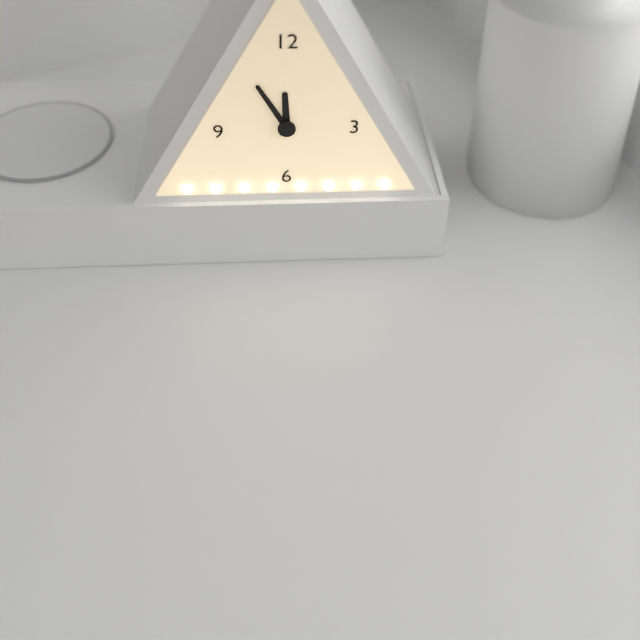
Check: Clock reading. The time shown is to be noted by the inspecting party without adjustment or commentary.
11:55
